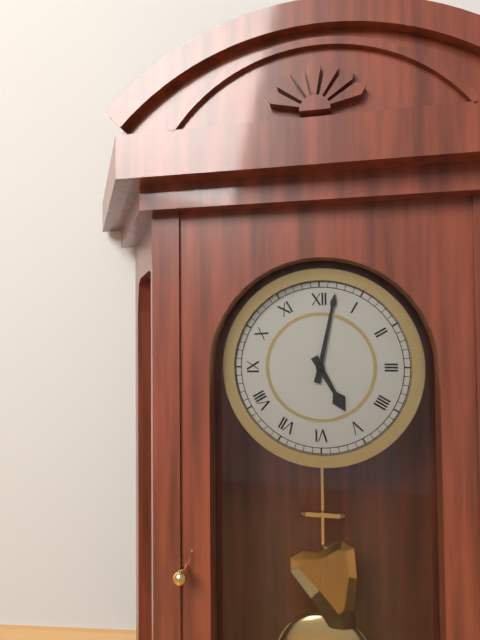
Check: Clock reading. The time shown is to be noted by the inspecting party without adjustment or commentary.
5:02
